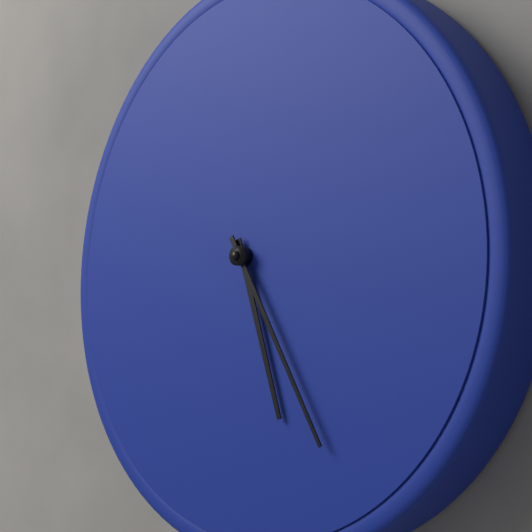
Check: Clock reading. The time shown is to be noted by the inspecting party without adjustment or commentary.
5:25
